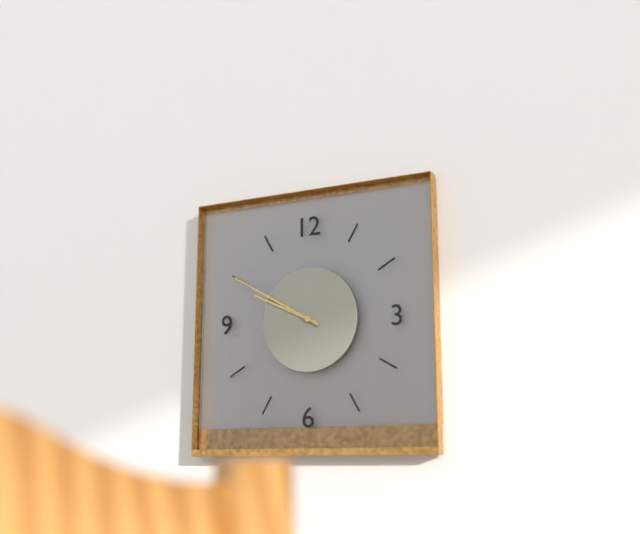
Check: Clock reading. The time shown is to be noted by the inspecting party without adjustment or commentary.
9:50
